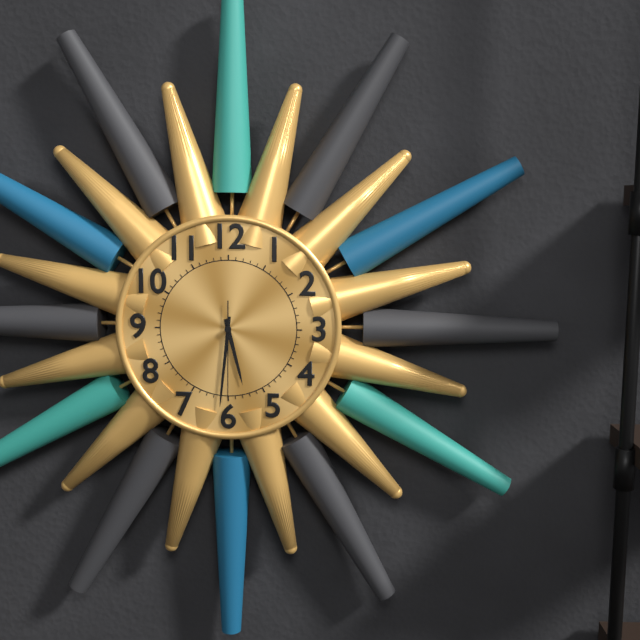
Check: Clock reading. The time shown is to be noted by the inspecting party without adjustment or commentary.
5:31:30
